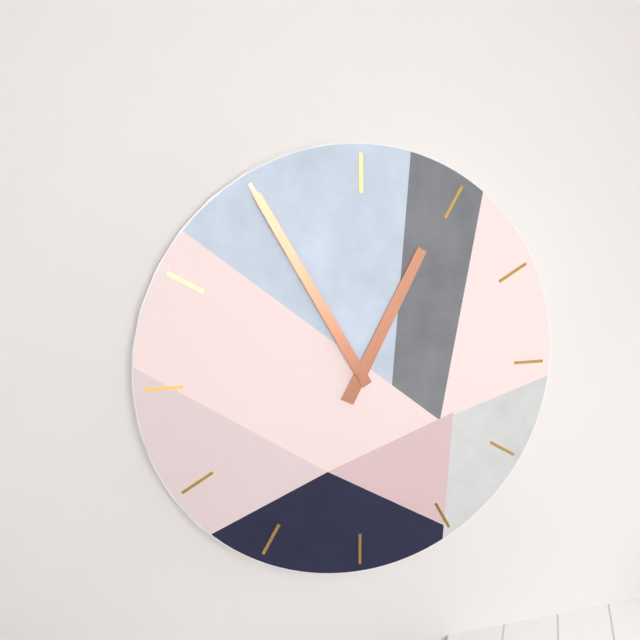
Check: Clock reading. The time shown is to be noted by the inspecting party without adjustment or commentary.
12:55
